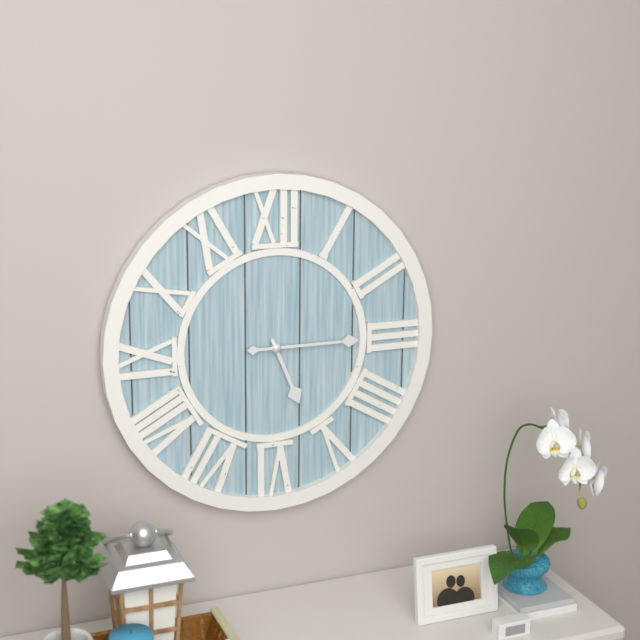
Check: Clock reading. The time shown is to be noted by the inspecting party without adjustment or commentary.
5:15
